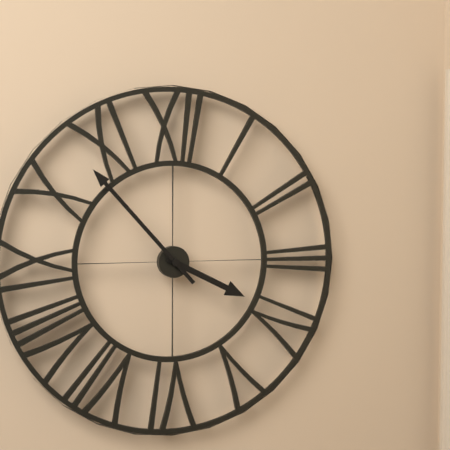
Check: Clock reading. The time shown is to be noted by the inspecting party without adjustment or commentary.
3:53
